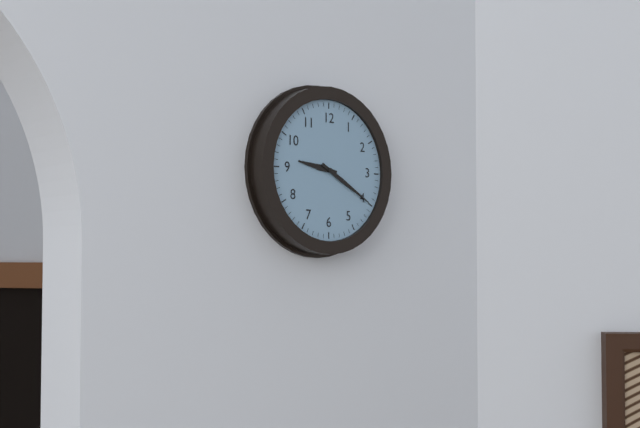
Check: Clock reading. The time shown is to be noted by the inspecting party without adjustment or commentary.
9:20
